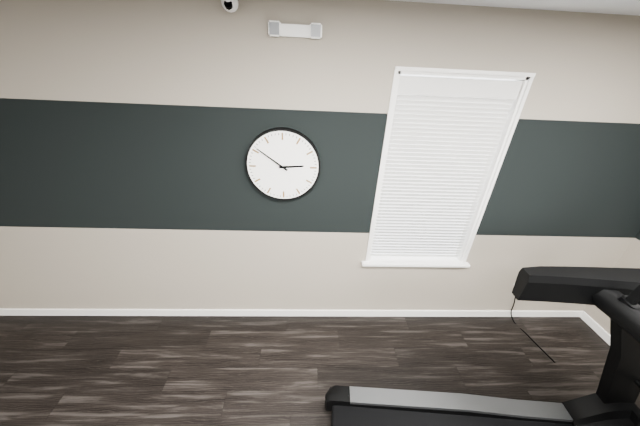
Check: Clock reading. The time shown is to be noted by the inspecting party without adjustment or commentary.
2:51
